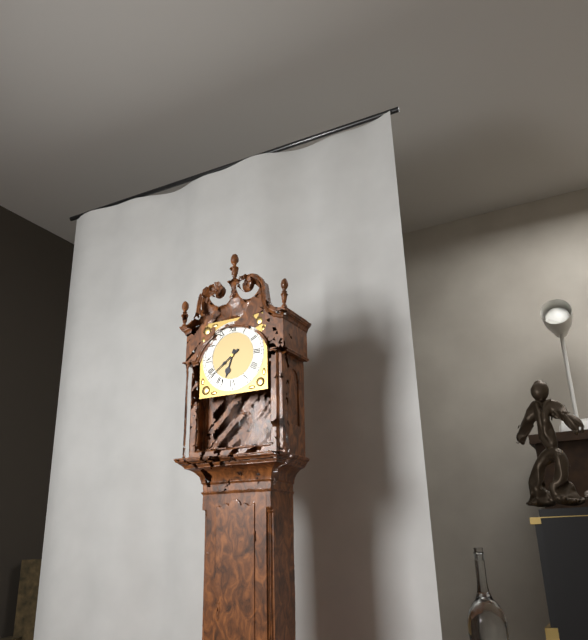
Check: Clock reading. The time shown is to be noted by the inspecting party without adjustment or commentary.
6:39
